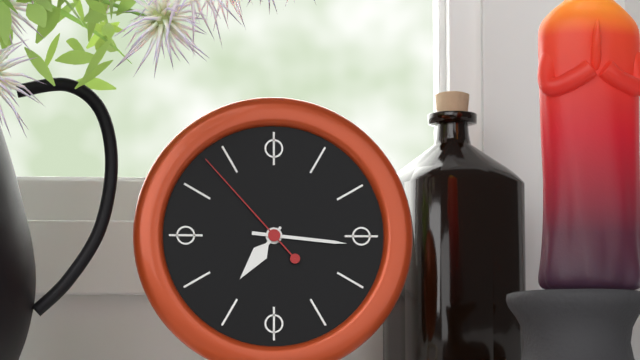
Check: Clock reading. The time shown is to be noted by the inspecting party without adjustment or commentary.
7:16:53
